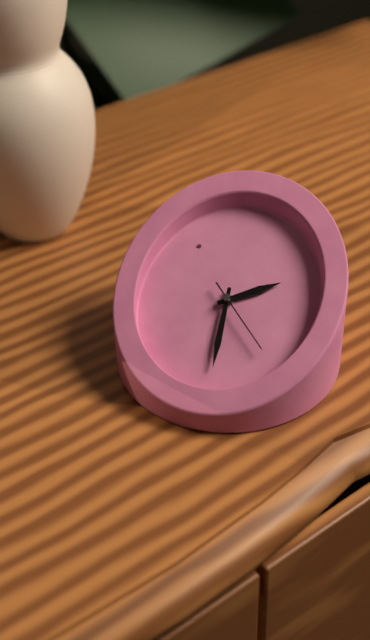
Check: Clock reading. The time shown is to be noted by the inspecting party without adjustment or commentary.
4:43:36
